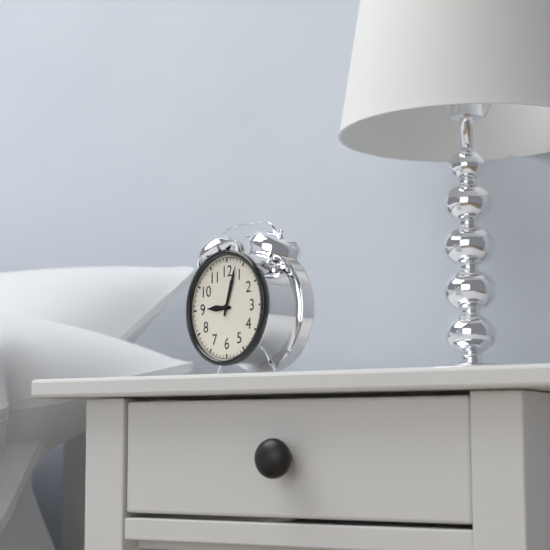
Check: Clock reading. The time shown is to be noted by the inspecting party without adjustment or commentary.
9:03
